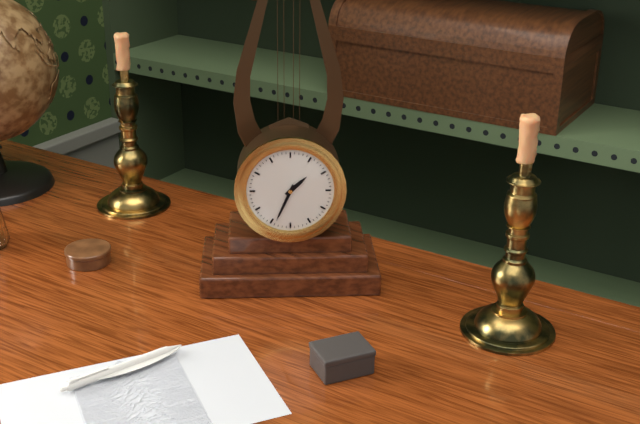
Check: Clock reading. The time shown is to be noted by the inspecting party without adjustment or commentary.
1:34
